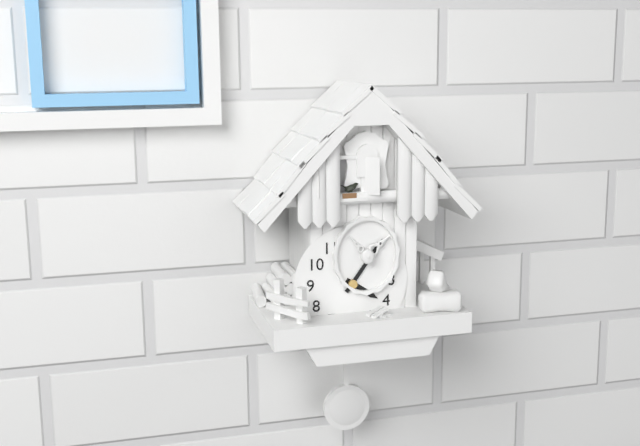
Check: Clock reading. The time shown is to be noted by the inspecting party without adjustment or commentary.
4:06
